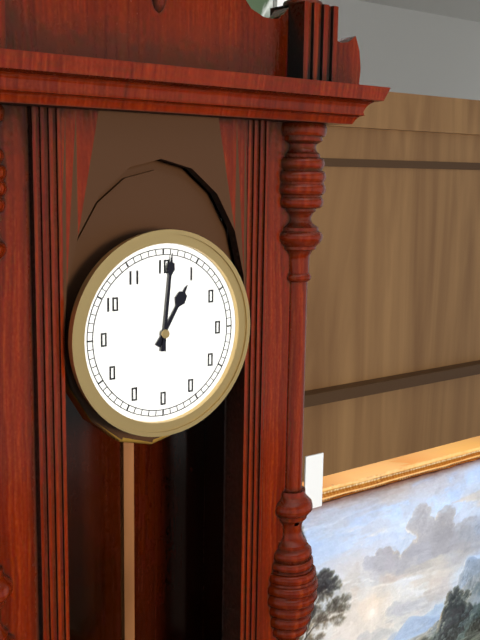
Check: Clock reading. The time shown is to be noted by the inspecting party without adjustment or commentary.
1:01
